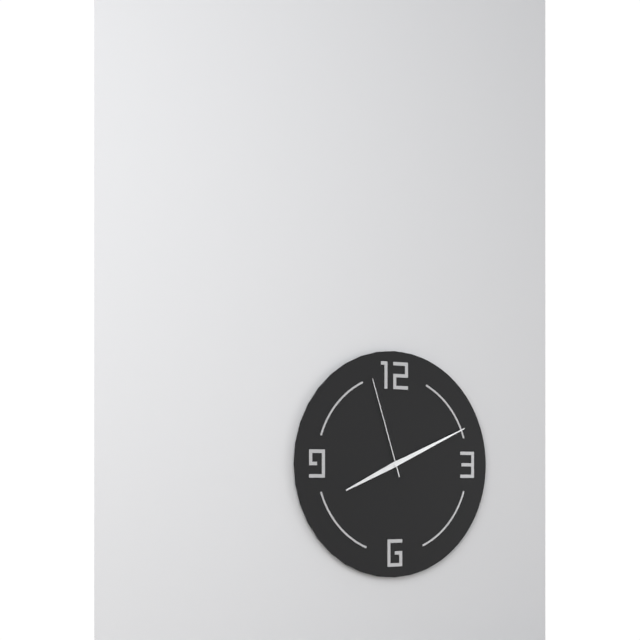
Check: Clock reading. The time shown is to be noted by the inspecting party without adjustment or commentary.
8:11:57
